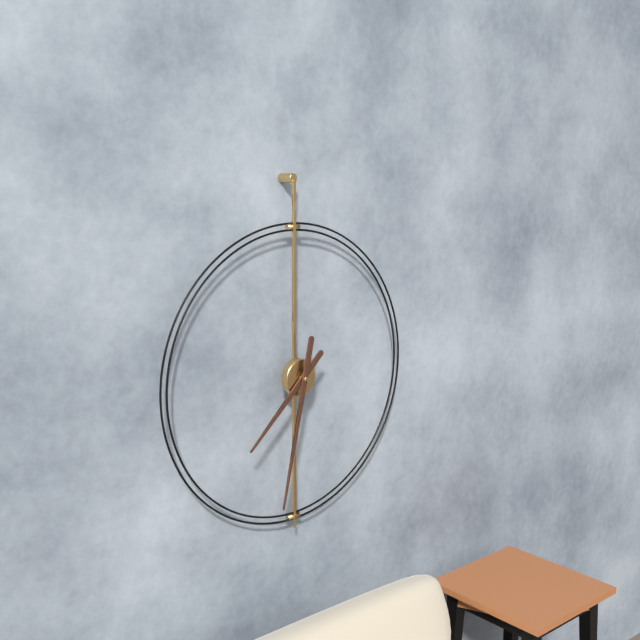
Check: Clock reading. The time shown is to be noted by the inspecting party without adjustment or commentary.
7:32
